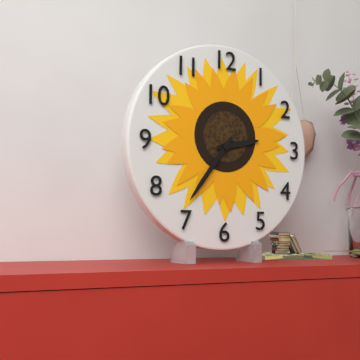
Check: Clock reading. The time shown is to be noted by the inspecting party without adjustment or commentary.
2:36
